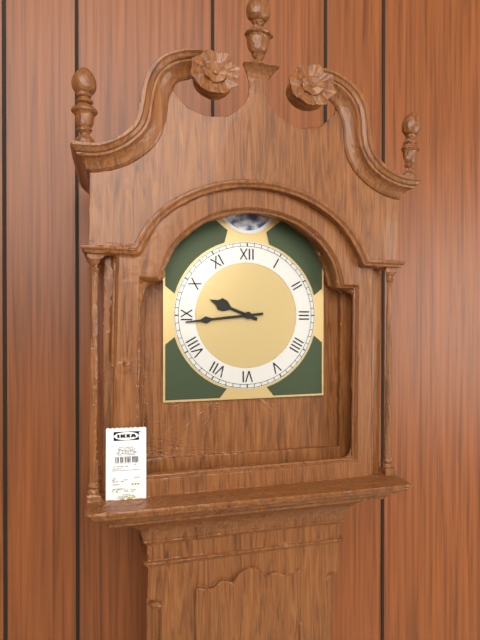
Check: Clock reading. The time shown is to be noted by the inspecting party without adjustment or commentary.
9:44
